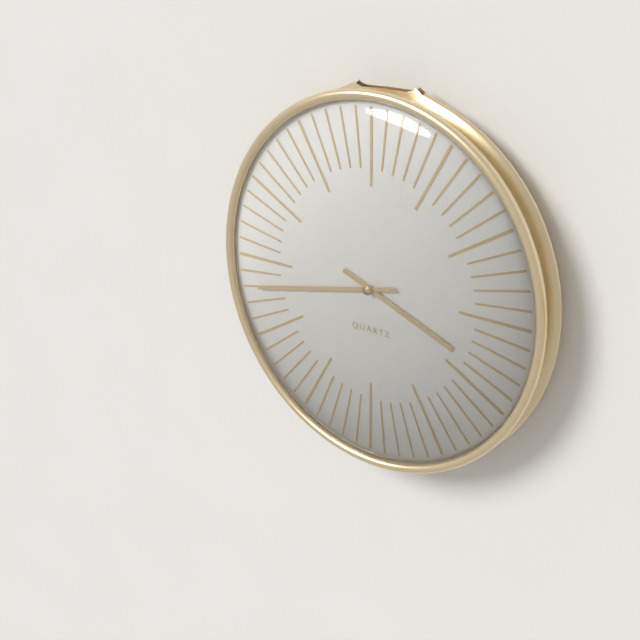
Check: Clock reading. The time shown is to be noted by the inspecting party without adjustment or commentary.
3:43
